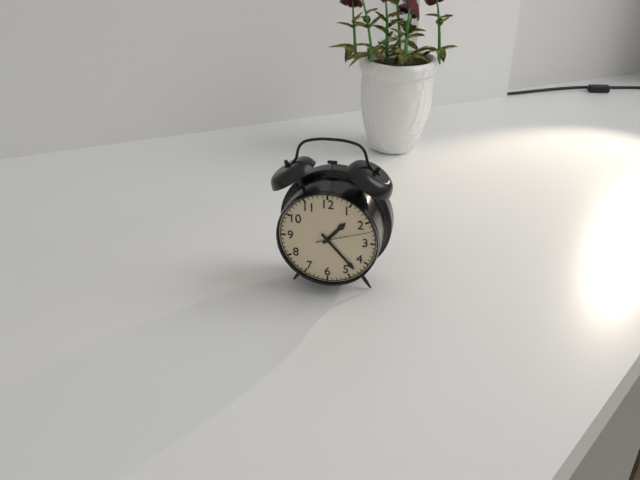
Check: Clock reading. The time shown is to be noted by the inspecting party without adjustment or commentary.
1:23:12
